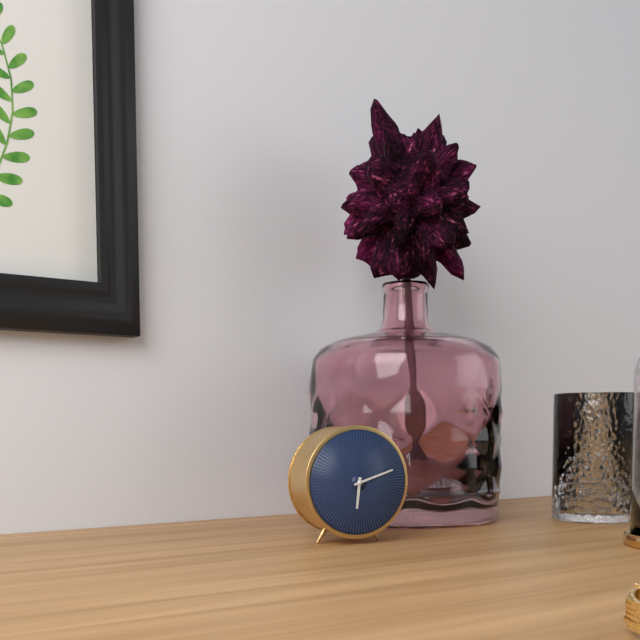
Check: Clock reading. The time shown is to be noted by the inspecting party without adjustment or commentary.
6:12
